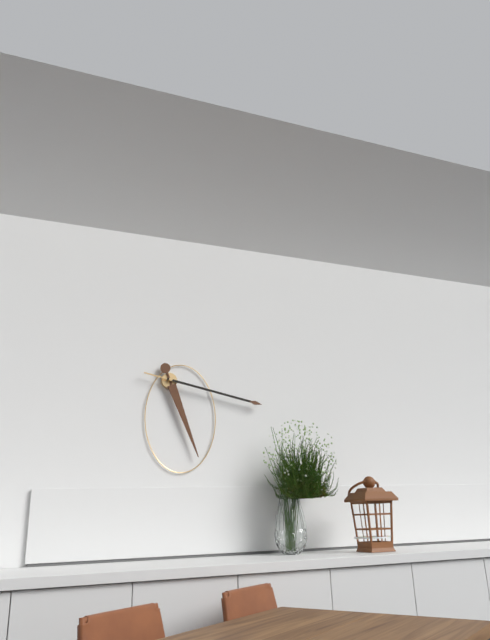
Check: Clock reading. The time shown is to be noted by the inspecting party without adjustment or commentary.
5:17
